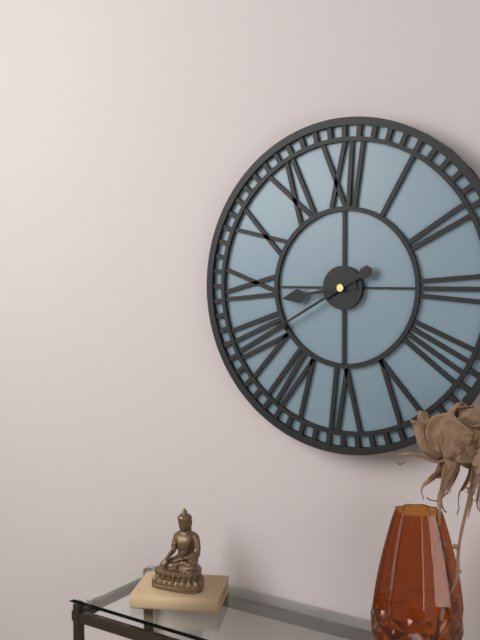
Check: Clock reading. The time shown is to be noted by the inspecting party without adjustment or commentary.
8:40
